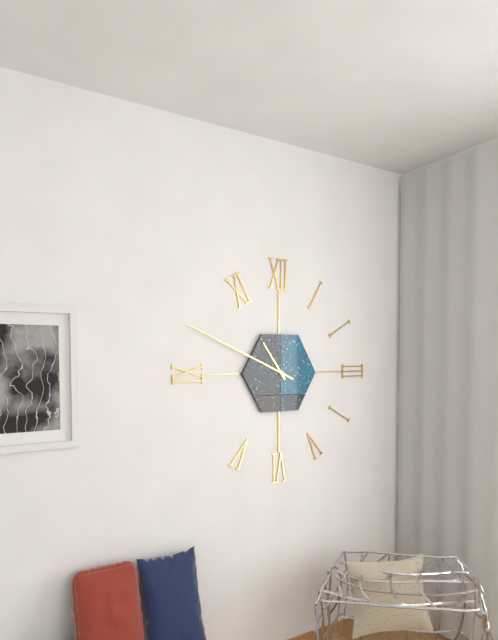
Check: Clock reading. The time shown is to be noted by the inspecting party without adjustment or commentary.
10:49
